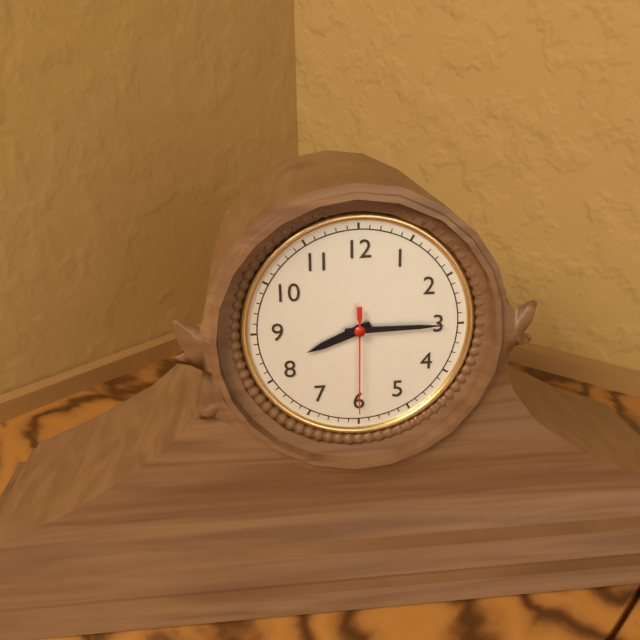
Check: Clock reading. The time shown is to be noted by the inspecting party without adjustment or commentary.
8:15:30
